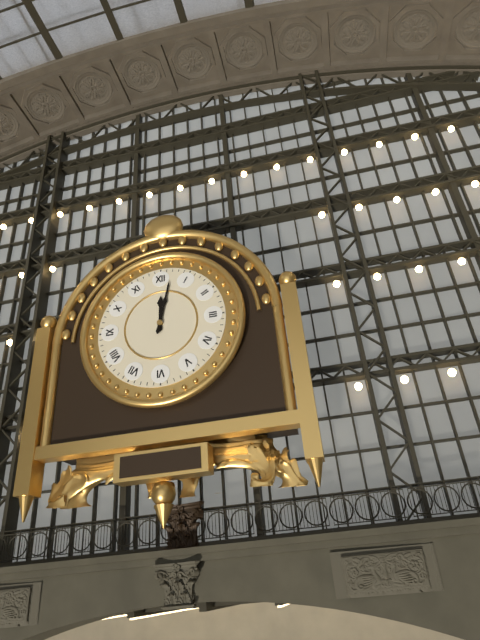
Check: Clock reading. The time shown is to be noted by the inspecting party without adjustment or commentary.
12:02
